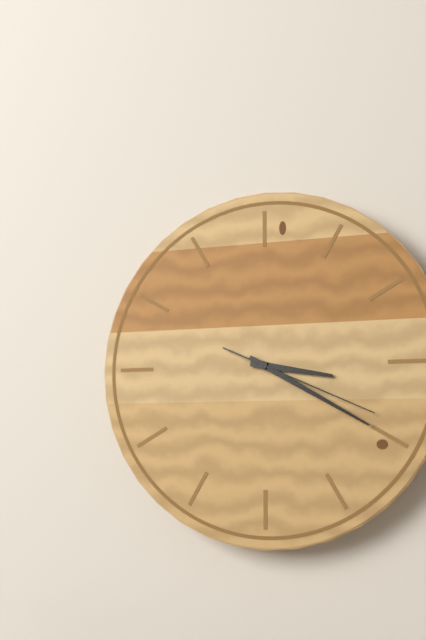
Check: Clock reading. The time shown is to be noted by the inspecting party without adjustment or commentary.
3:20:19
